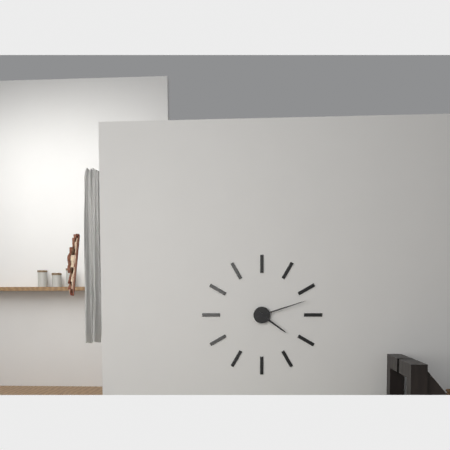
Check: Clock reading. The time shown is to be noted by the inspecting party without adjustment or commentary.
4:12
